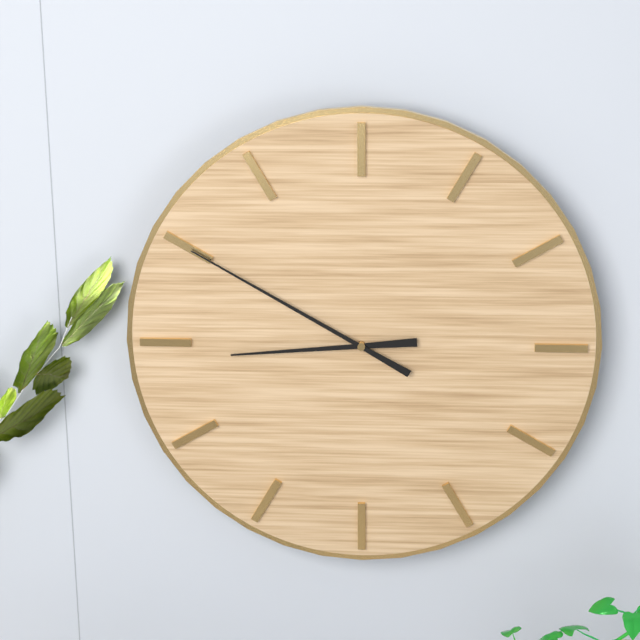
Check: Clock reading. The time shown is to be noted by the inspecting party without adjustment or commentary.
8:50
